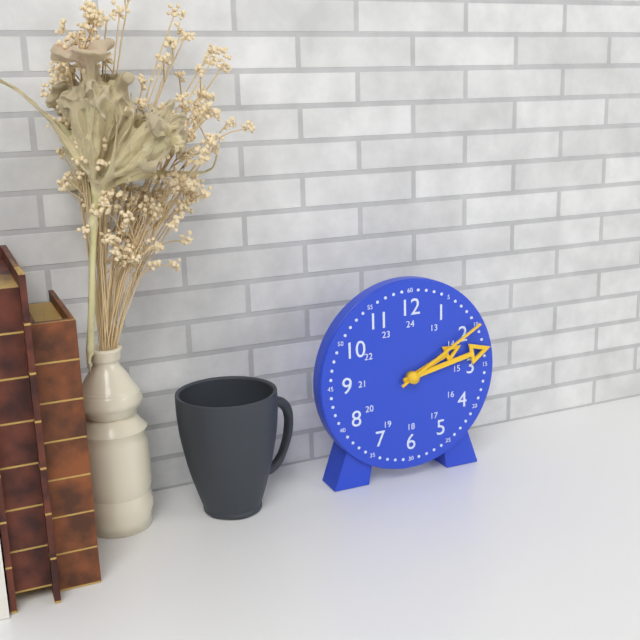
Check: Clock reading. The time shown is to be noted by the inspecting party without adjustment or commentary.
2:13:10
